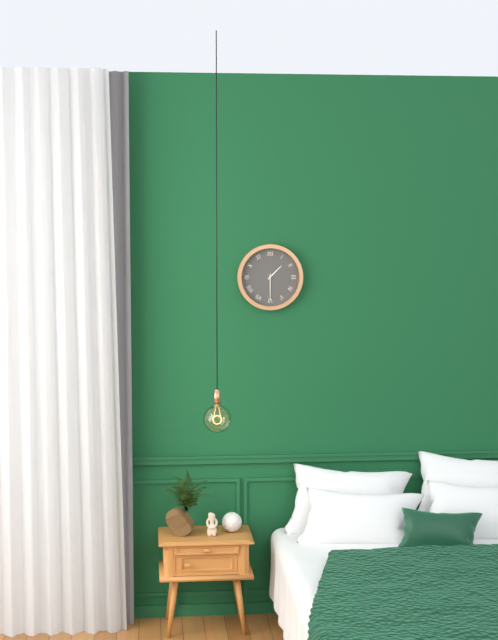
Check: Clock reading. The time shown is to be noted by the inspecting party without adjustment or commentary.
1:30
